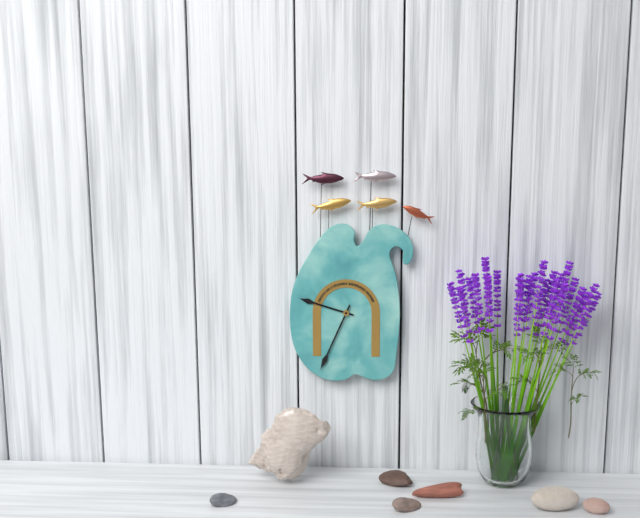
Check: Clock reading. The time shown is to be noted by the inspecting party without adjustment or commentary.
9:34
